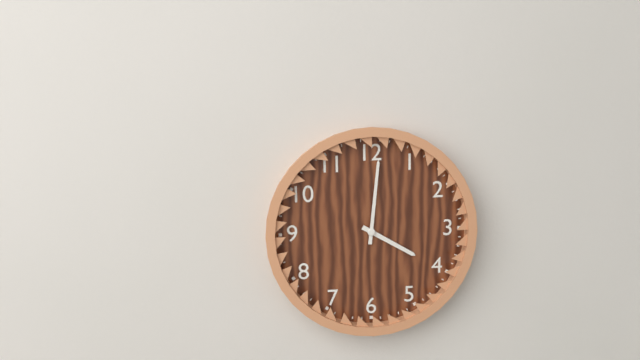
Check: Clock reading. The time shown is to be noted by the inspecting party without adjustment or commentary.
4:01
